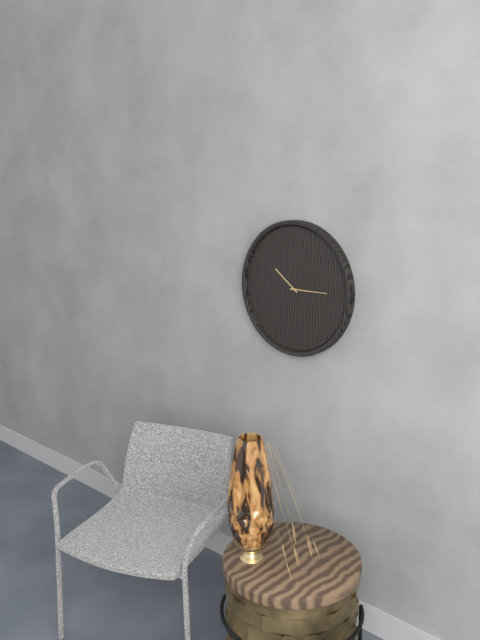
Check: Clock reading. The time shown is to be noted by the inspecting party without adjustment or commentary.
10:15
